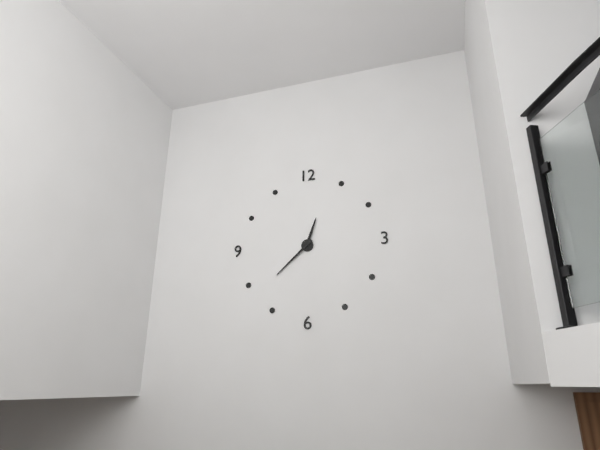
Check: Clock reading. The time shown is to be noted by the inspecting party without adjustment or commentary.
12:38
